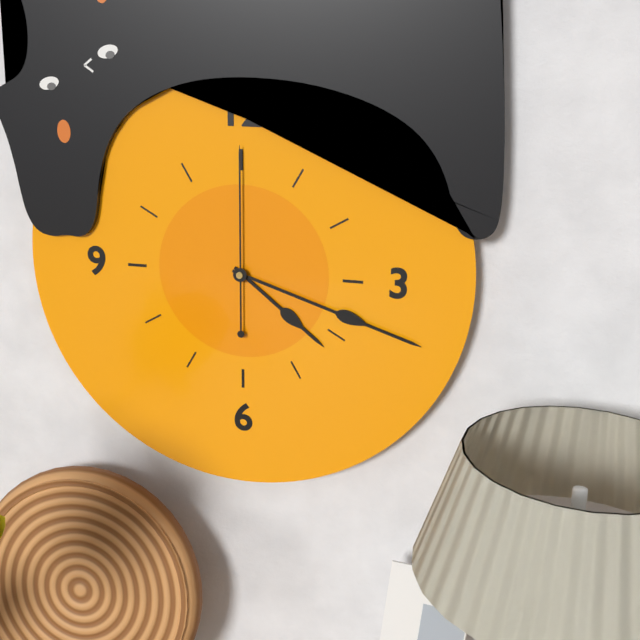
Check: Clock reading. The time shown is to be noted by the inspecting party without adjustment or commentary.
4:18:00
